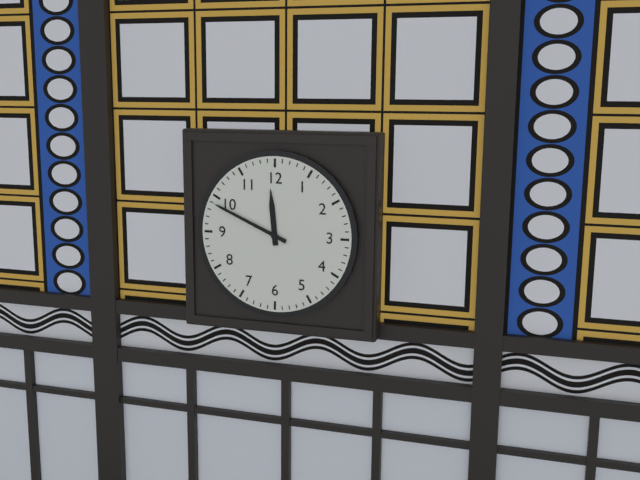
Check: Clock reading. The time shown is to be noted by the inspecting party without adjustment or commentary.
11:49
